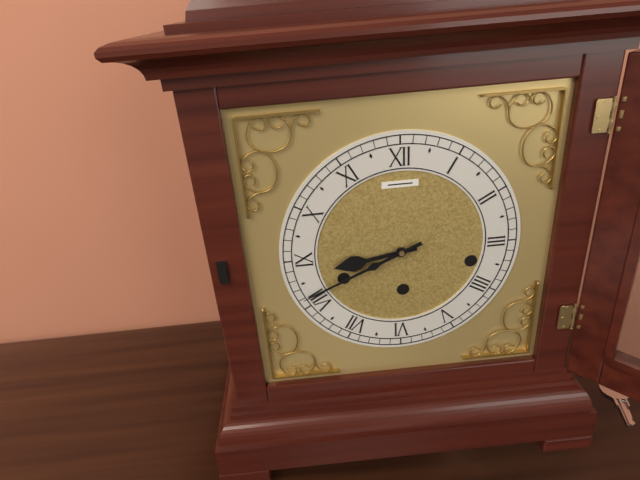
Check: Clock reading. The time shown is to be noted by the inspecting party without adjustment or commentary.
8:41
